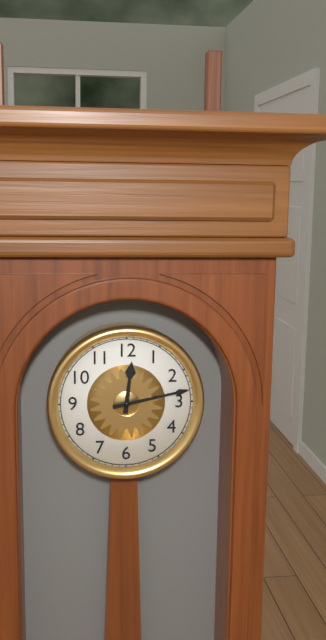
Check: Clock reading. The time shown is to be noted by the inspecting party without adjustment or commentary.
12:13
